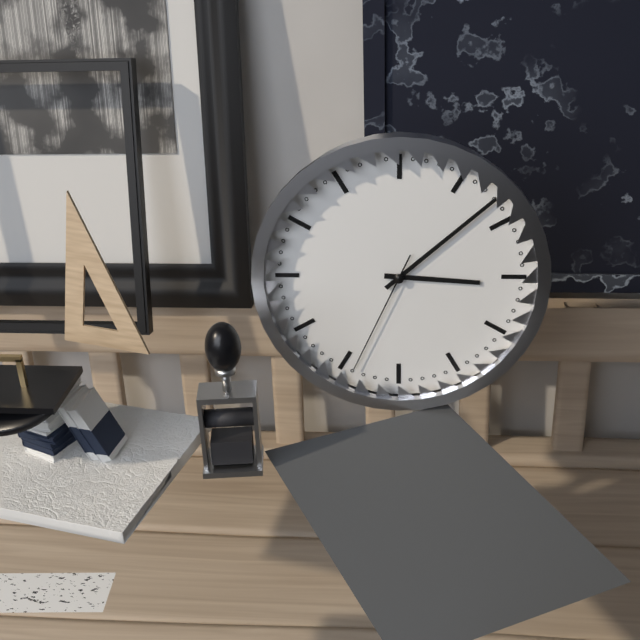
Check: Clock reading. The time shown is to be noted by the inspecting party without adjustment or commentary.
3:08:34
